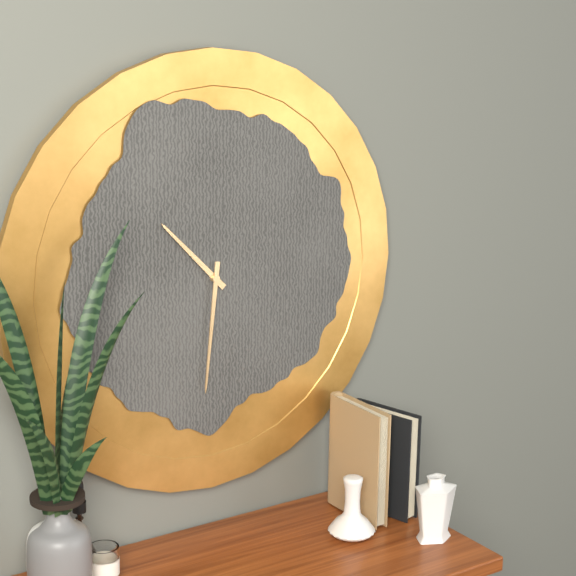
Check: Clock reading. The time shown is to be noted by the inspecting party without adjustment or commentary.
10:31
